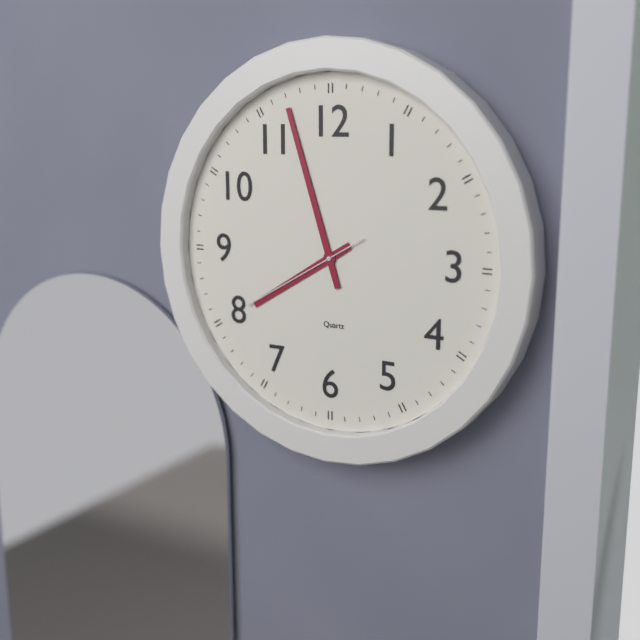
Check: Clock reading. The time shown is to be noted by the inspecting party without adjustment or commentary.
7:57:40
